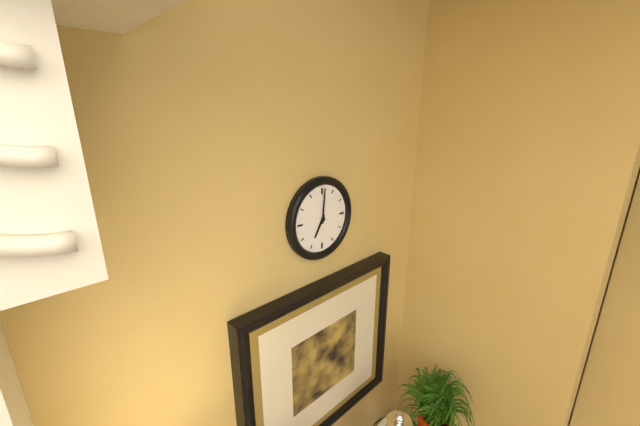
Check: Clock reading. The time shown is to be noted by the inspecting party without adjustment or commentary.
7:01
